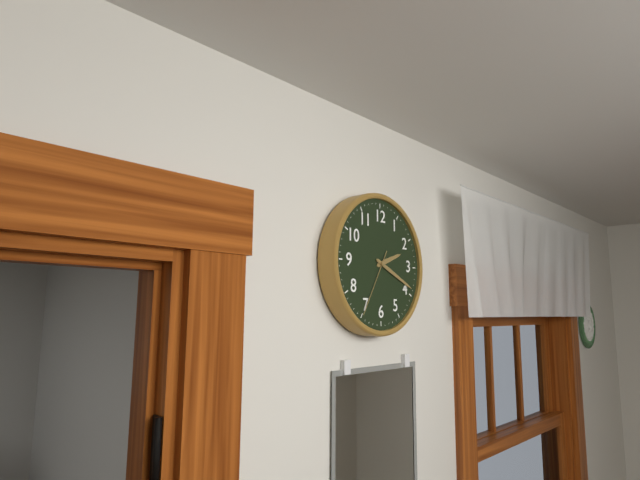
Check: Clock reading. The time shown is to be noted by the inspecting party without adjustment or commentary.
2:19:35
